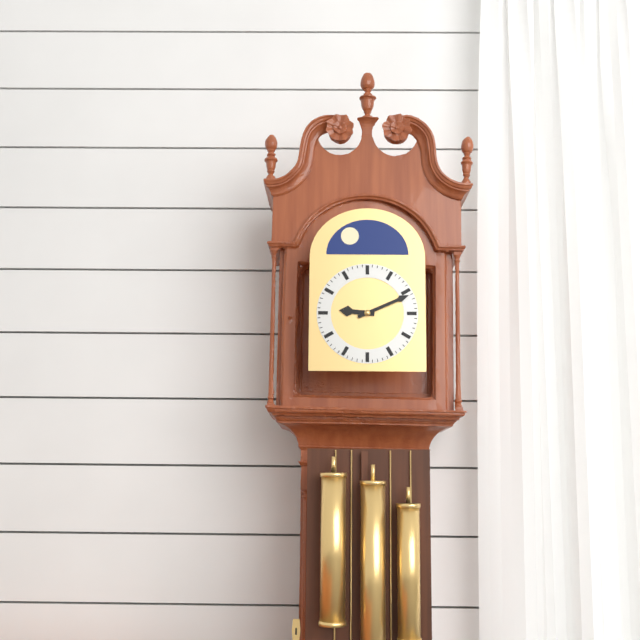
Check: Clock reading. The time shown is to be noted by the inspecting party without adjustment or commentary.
9:11
